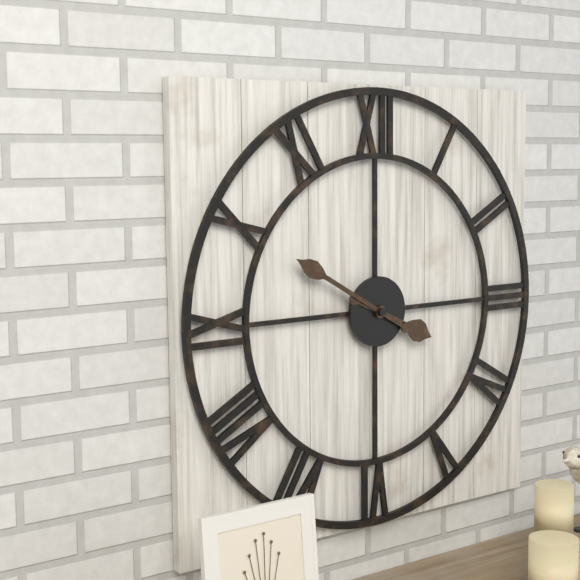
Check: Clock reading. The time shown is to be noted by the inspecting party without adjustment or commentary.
3:50
